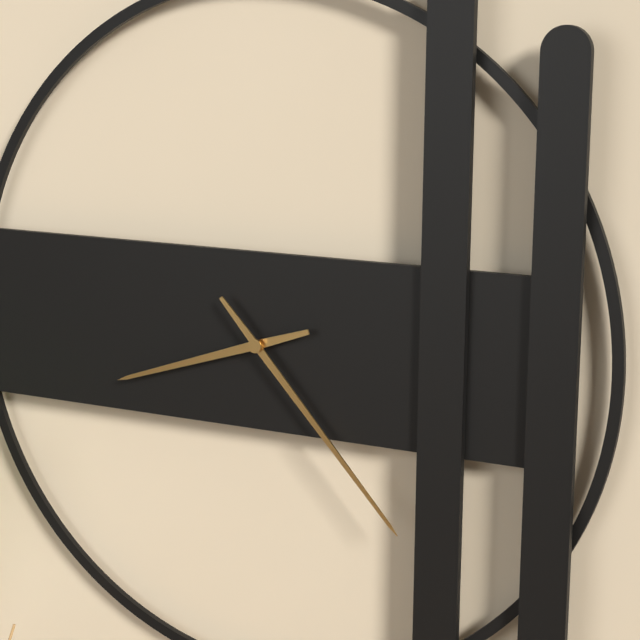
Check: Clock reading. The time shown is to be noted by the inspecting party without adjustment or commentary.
8:23
